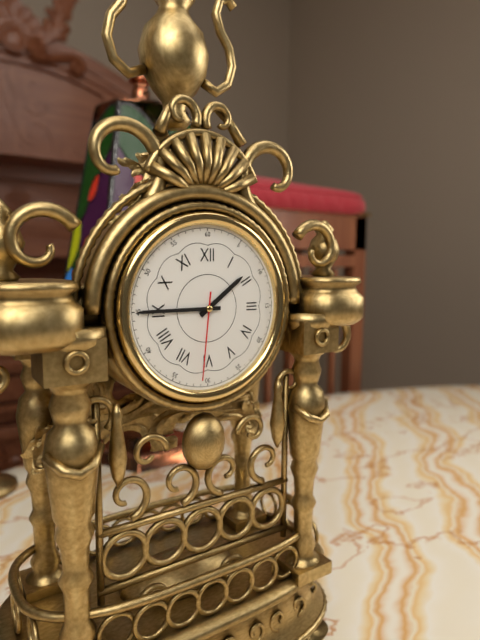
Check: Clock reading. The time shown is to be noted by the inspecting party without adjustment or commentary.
1:45:31
